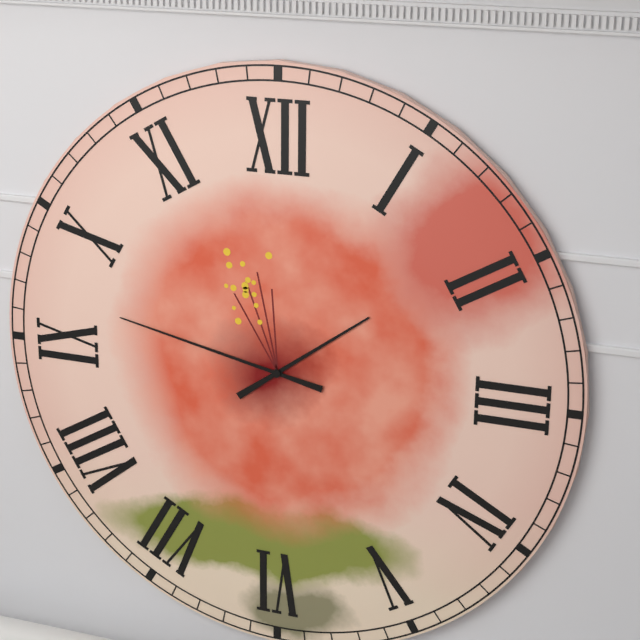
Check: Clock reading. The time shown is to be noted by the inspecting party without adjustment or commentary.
1:47
